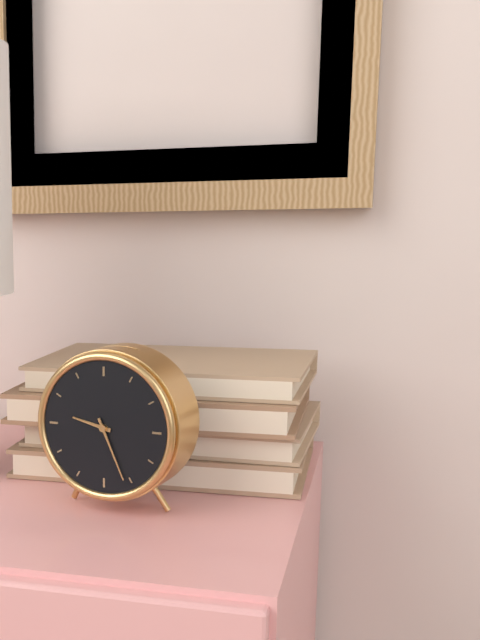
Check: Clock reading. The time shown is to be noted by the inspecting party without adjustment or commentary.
9:26
